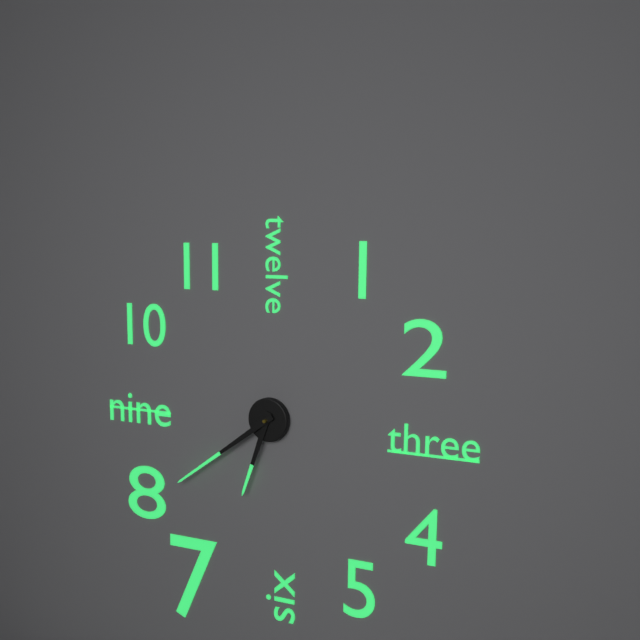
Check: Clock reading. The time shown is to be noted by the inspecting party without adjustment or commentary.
6:39
